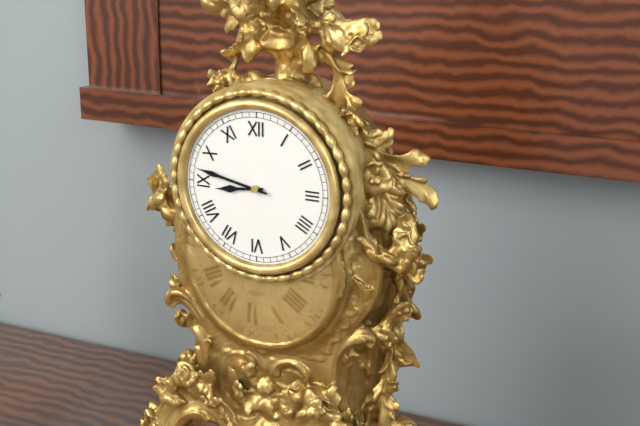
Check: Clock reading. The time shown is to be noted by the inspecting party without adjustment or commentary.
8:47
